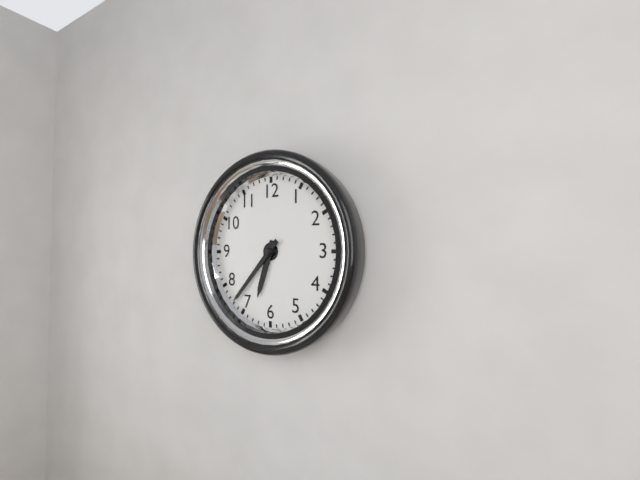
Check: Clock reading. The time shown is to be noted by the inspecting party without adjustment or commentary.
6:37
